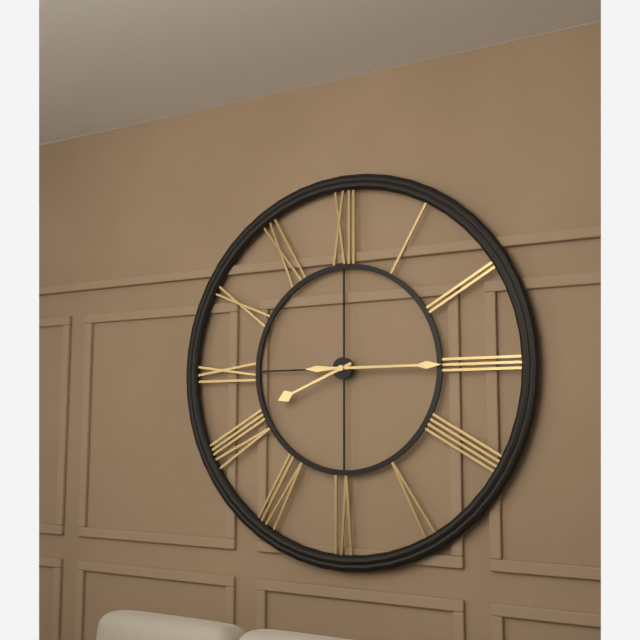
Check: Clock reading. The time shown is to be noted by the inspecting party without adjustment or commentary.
8:15
